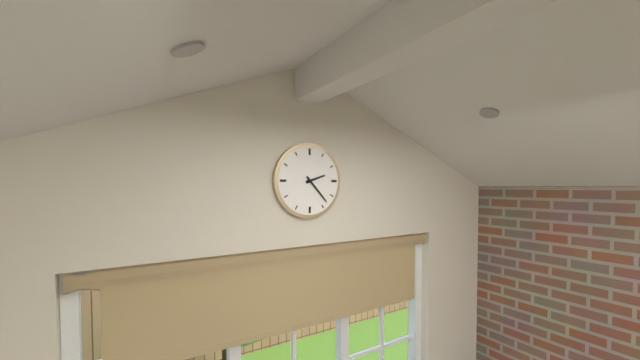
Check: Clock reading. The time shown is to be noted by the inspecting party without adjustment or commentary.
2:23
